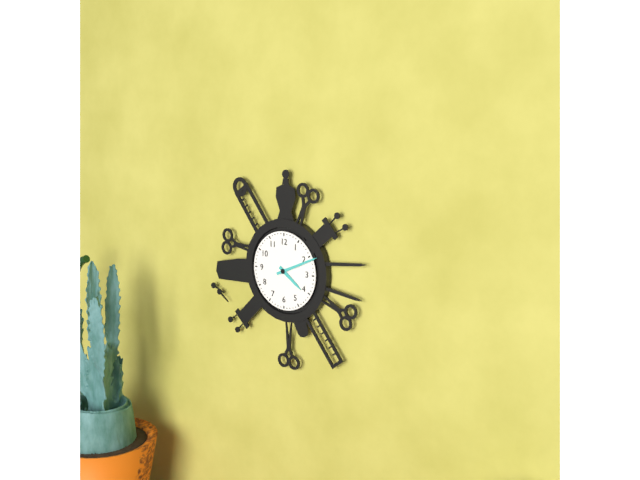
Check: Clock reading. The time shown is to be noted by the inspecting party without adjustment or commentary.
4:11
